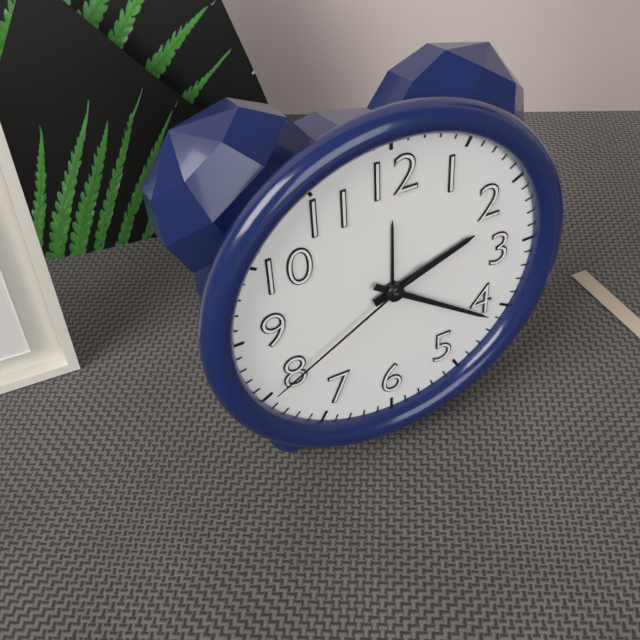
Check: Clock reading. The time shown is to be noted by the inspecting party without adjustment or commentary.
2:21:40
